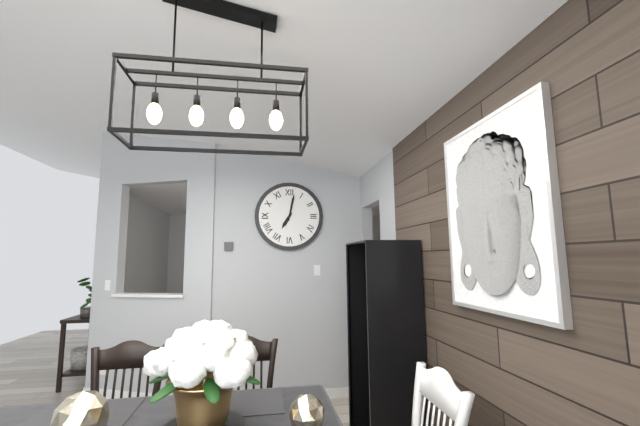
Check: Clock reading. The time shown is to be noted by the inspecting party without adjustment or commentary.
7:02
